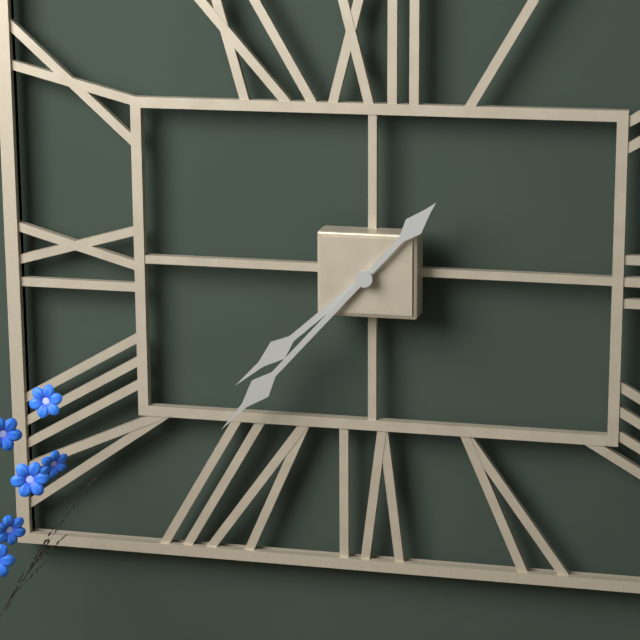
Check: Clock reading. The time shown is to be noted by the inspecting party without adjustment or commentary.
7:37
